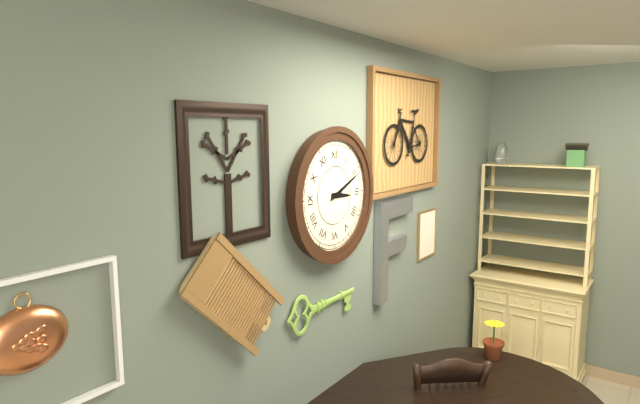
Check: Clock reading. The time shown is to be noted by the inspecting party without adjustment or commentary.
3:11
